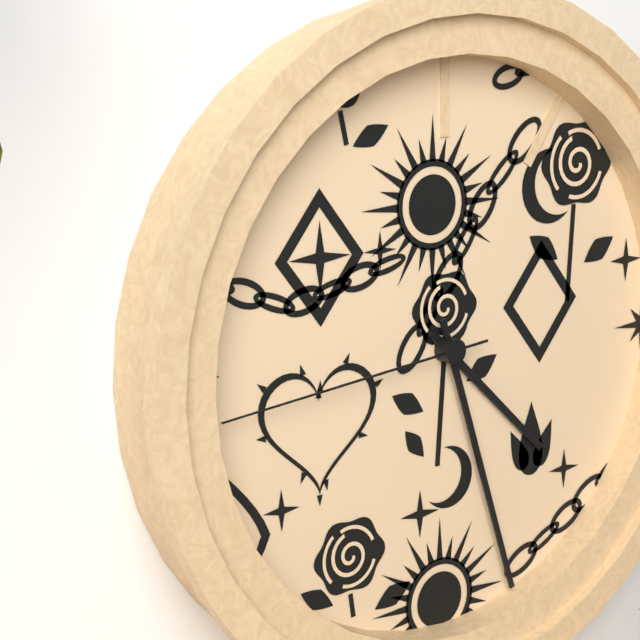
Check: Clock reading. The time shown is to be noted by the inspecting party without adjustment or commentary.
4:27:44
